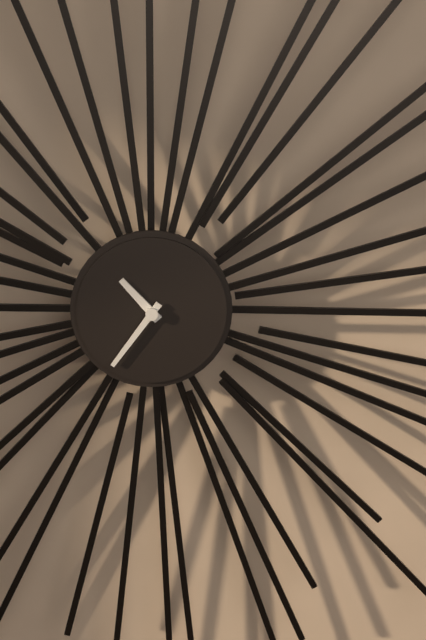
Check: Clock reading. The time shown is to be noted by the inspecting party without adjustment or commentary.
10:36
